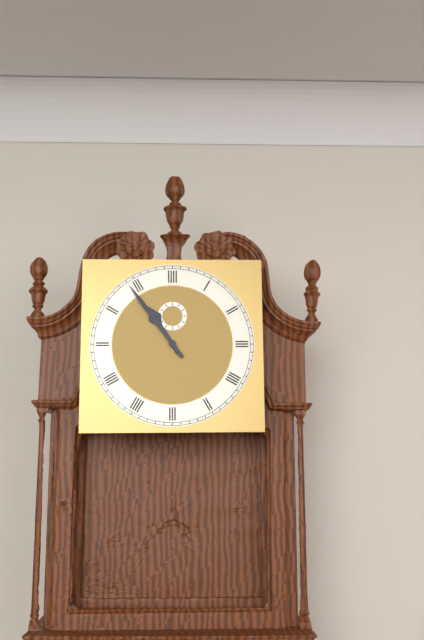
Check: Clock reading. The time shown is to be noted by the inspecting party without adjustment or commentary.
10:54
